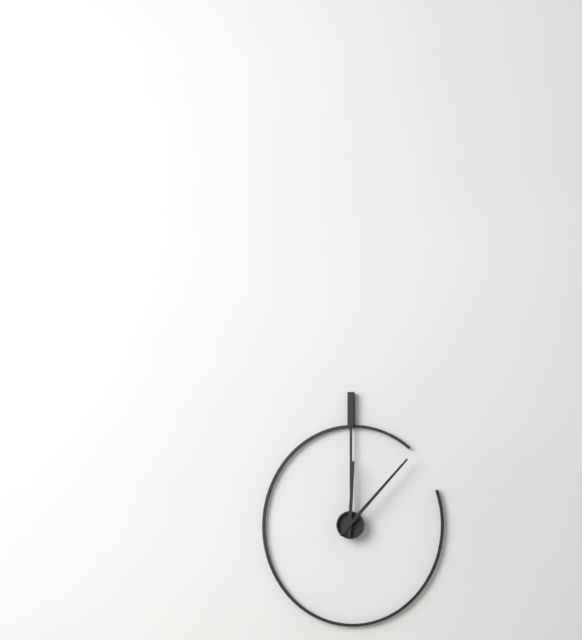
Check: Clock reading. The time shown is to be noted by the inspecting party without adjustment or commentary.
12:07
